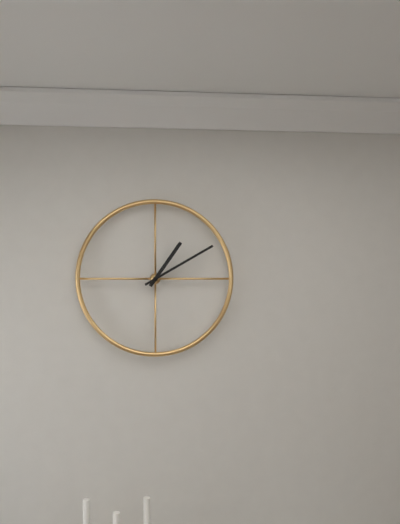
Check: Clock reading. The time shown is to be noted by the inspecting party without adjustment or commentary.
1:10
